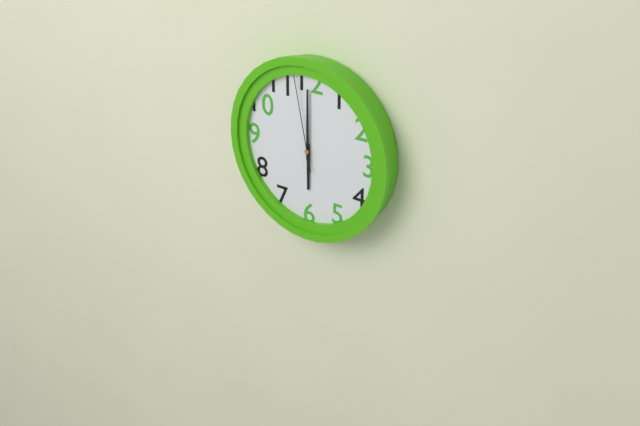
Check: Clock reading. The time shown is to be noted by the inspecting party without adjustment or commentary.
6:00:58
